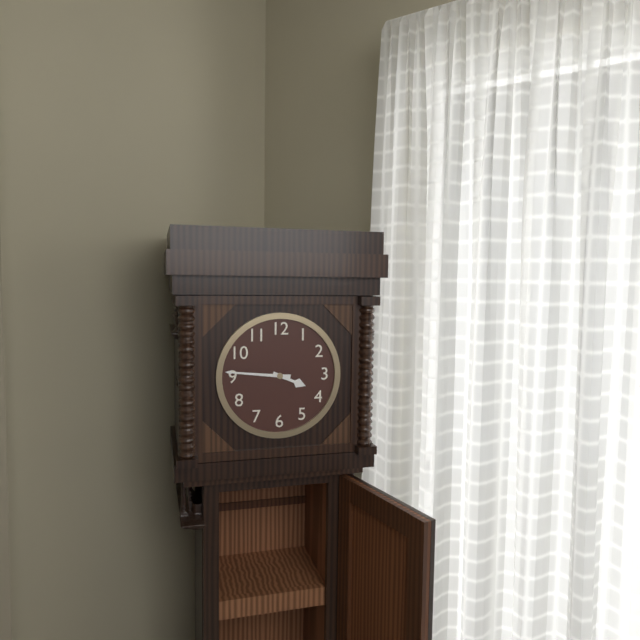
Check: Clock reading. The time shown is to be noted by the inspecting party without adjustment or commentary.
3:46
